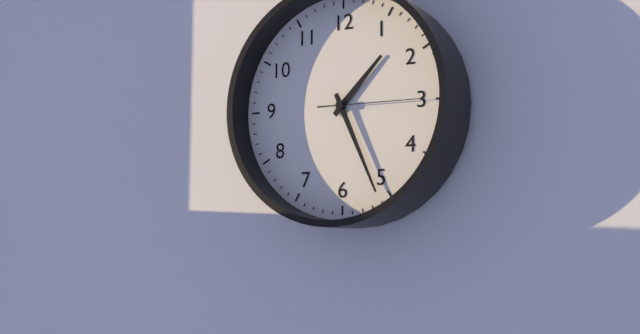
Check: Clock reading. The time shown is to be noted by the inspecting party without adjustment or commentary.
1:26:15
